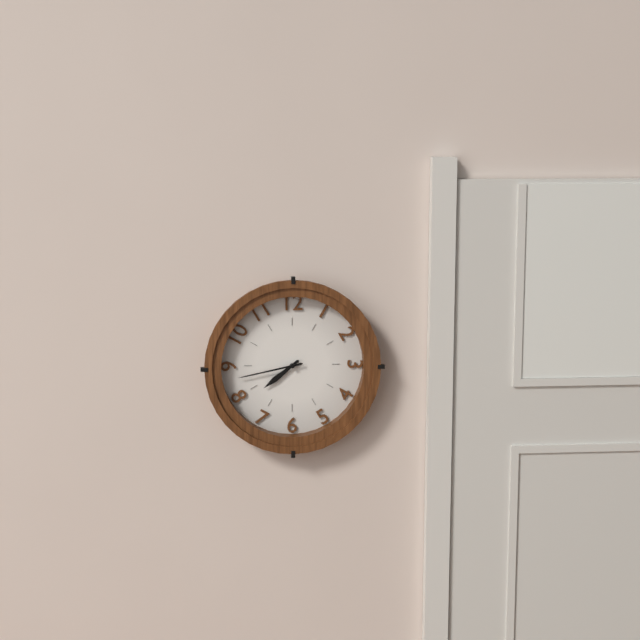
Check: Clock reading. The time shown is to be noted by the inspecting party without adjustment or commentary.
7:43
